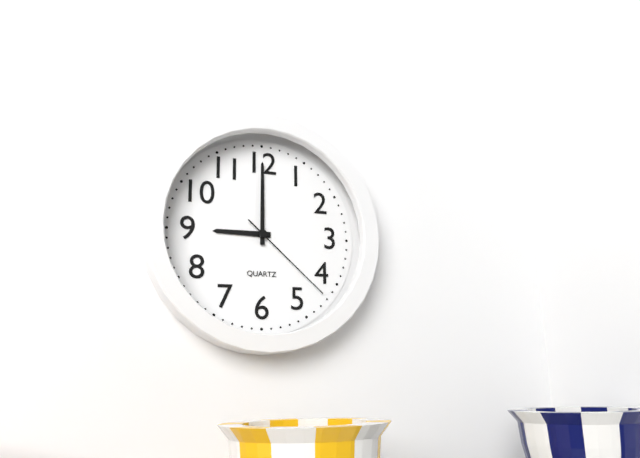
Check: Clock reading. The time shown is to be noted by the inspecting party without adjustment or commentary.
9:00:22
